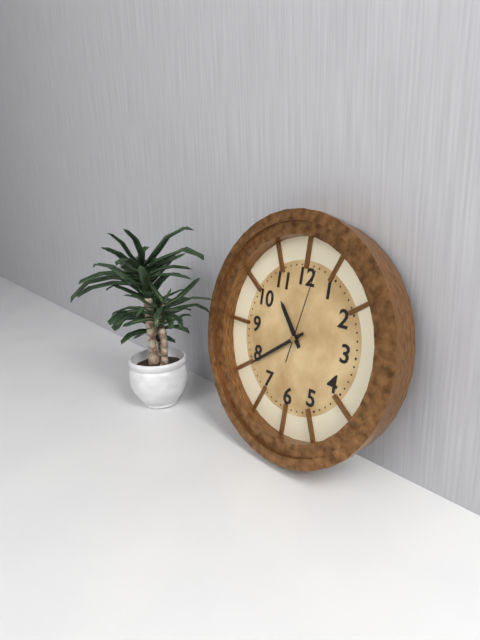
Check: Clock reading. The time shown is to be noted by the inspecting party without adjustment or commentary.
10:39:02
